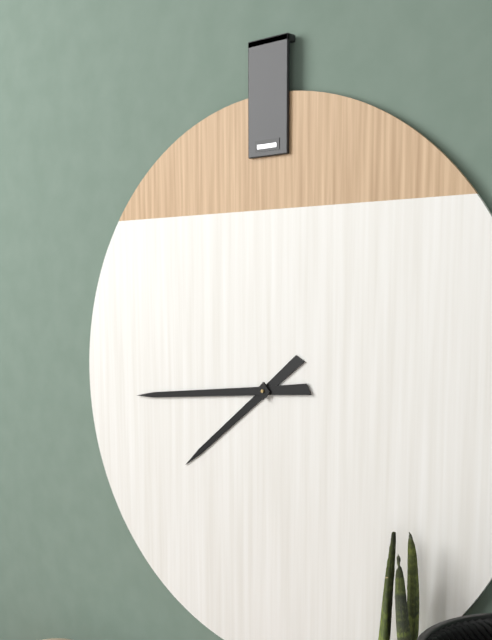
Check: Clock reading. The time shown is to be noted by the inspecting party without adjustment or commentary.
7:44
